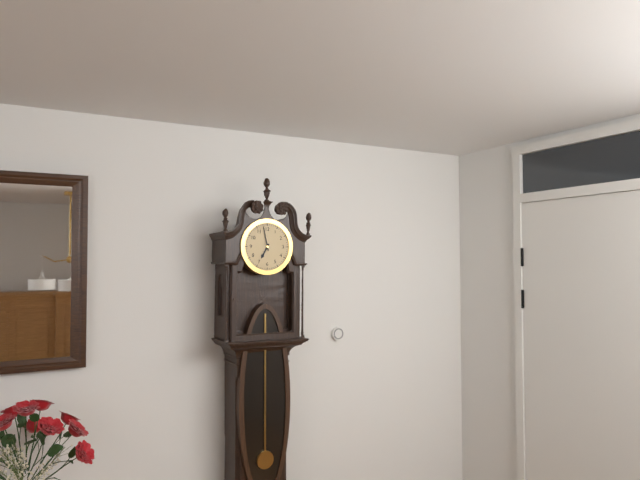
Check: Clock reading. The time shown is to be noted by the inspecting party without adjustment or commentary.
6:58
